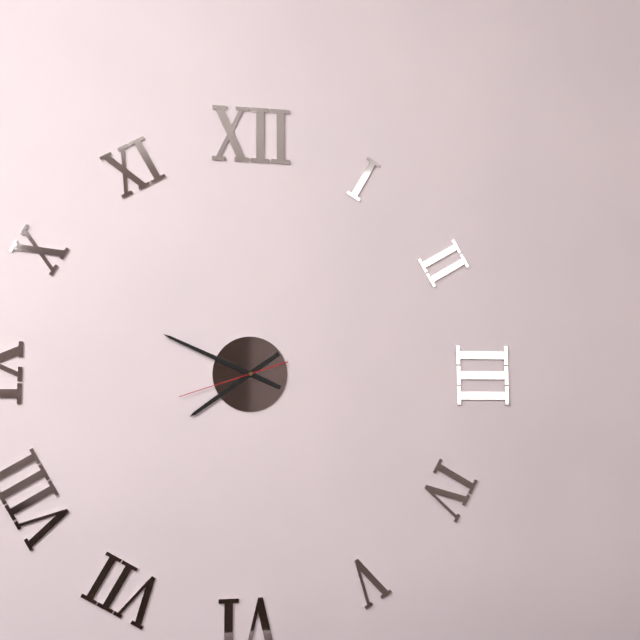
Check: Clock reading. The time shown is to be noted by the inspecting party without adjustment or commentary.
7:49:42
